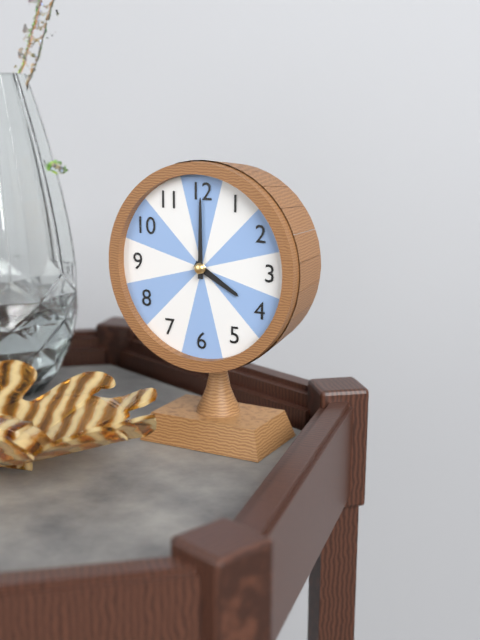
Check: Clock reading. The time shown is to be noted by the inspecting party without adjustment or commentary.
4:00
